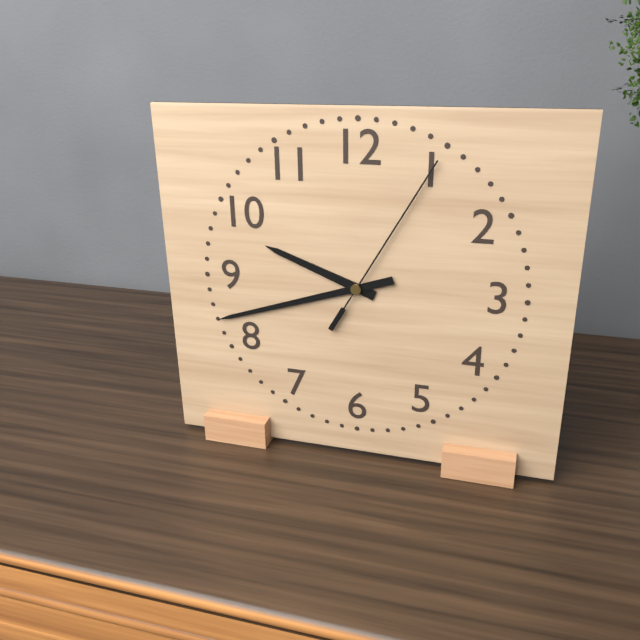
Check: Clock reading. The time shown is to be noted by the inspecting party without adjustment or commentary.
9:42:05
